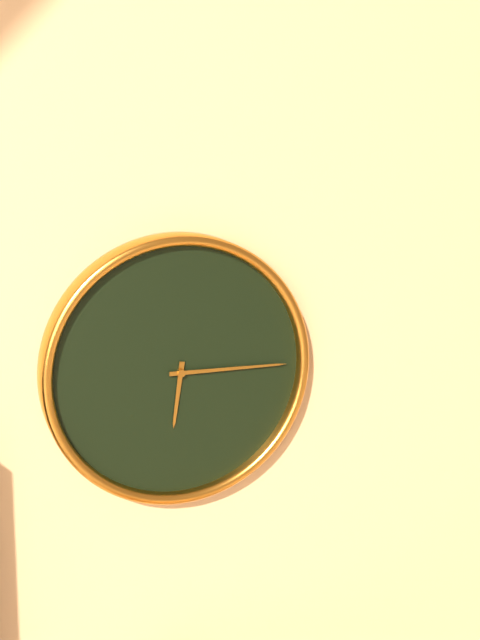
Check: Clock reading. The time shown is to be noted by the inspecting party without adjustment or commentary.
6:15
